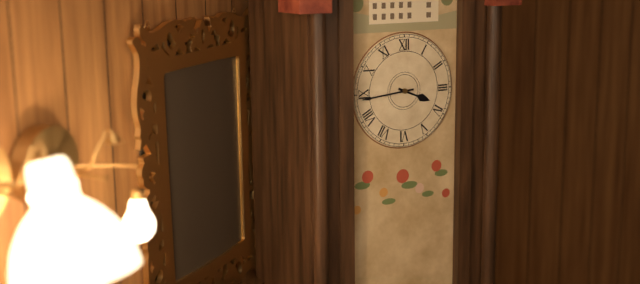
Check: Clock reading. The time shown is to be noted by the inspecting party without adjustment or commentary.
3:44
